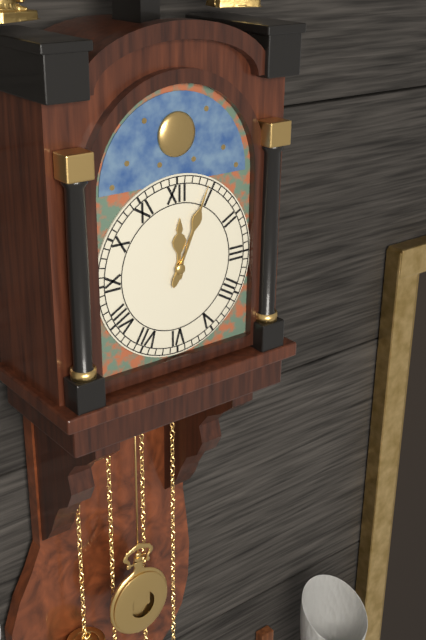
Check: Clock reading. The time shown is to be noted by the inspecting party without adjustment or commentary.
12:04
